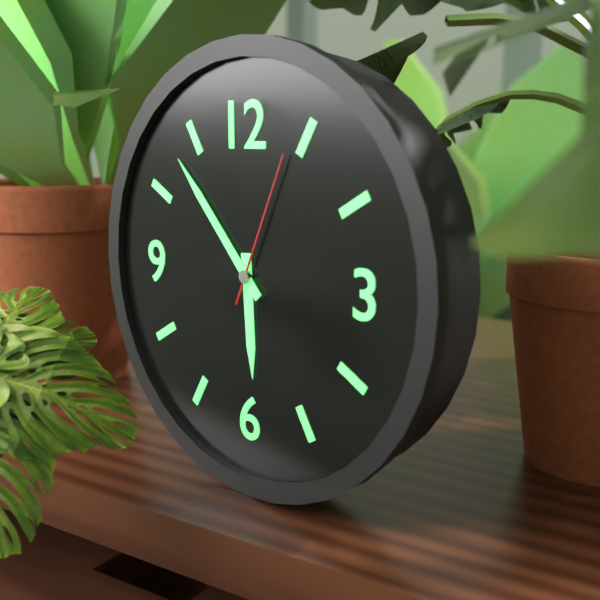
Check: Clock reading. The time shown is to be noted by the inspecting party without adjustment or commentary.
5:53:04
